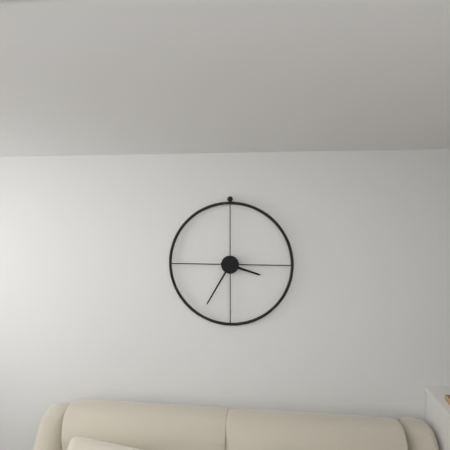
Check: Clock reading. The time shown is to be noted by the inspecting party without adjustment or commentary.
3:35
